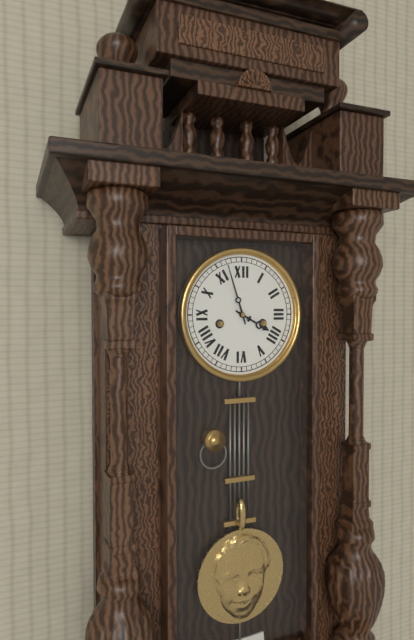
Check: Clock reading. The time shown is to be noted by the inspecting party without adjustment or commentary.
3:57
